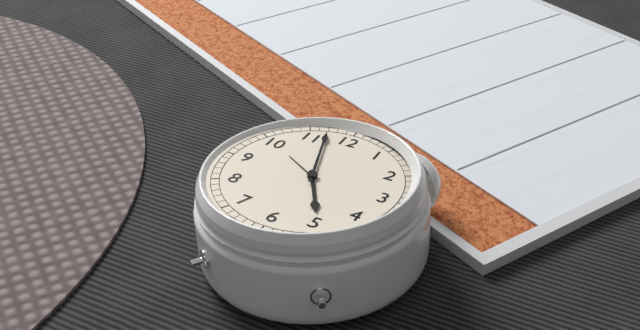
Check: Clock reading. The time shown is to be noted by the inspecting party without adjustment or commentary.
4:57
